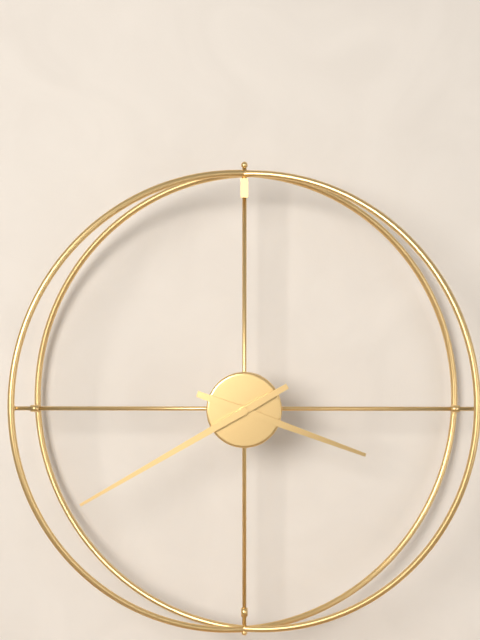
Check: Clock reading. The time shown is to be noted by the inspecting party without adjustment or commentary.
3:40
